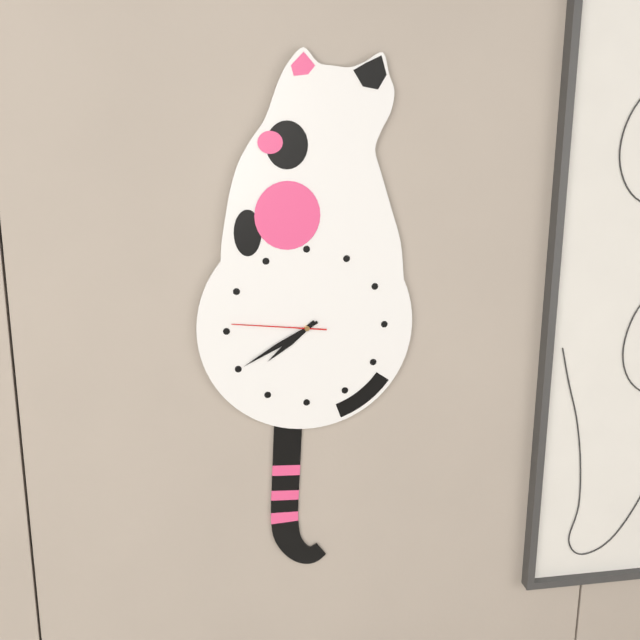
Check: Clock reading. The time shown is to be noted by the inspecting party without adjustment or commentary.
7:40:46
